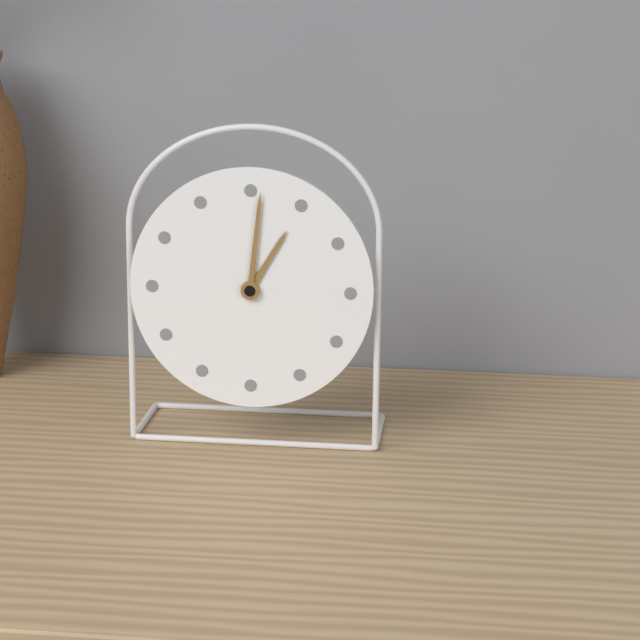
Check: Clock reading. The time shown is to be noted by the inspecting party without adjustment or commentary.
1:01
